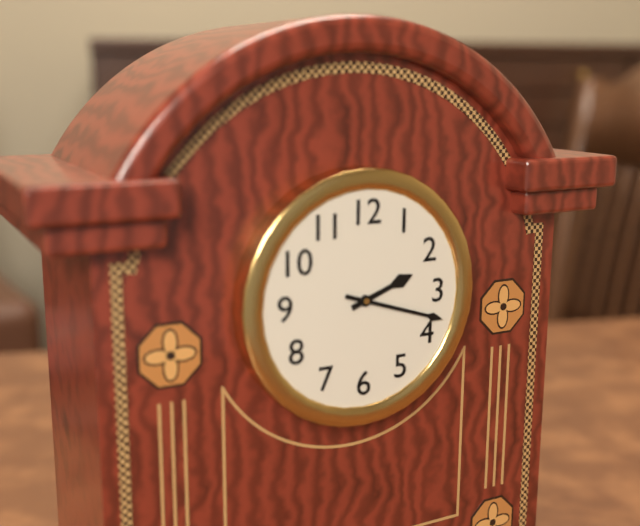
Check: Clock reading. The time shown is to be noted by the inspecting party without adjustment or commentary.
2:18
